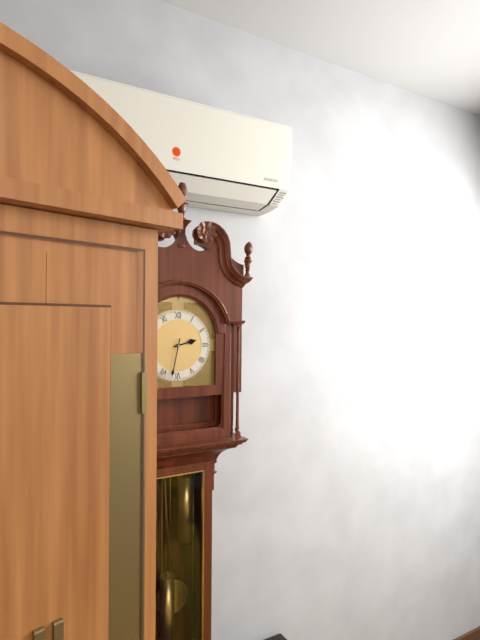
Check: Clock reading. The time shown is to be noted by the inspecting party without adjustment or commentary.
2:32
